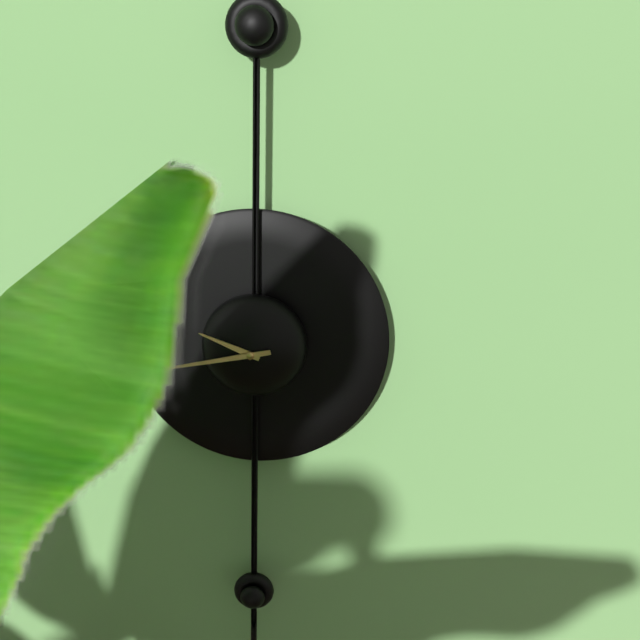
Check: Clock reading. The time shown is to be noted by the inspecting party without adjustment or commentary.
9:43
